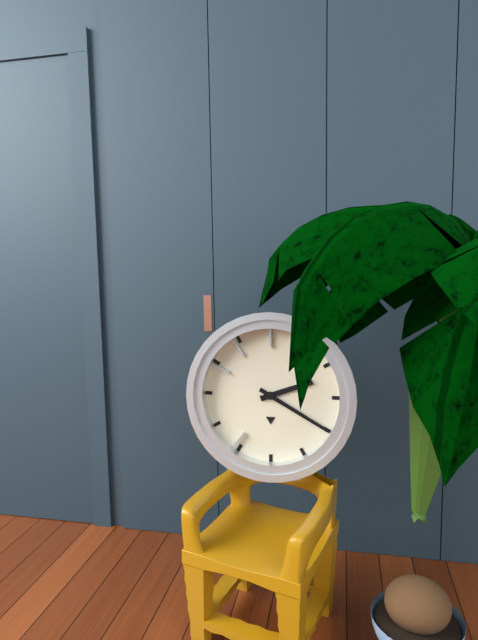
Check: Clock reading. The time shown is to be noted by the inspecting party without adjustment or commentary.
2:20
